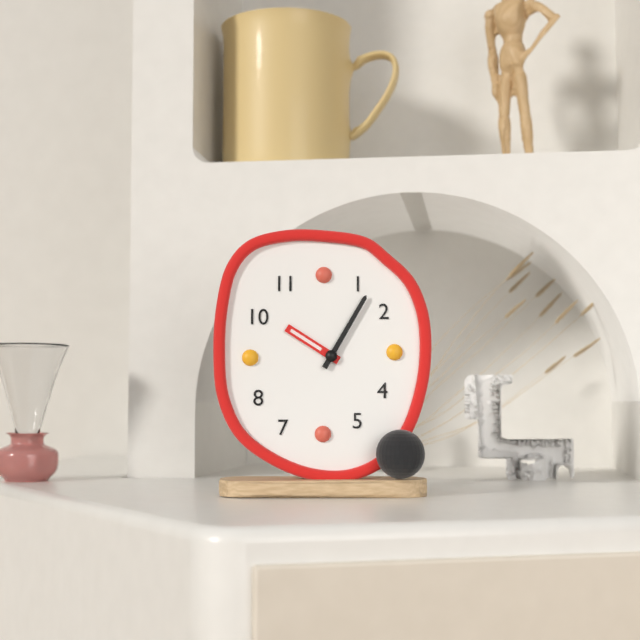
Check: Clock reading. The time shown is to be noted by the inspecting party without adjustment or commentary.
10:05
